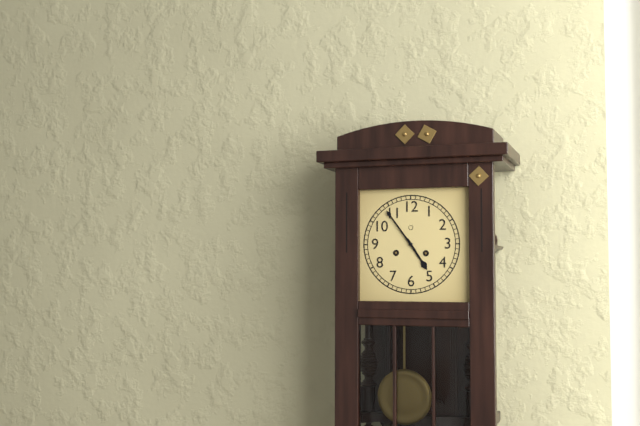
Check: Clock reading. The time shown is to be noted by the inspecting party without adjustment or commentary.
4:54
